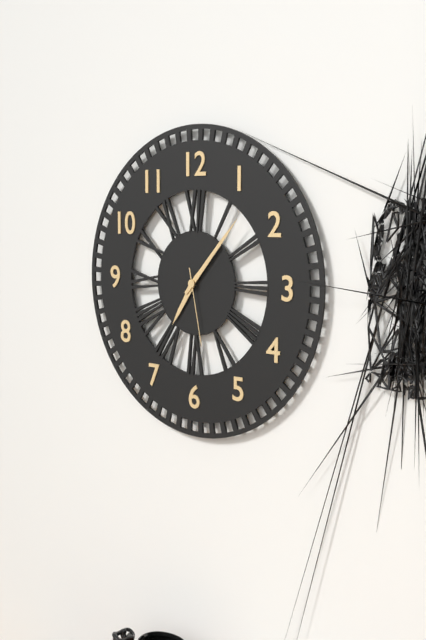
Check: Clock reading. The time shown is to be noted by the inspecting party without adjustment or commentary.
7:07:28
